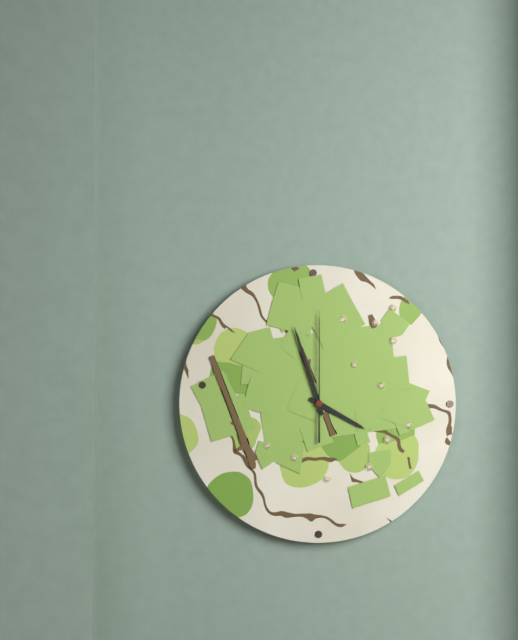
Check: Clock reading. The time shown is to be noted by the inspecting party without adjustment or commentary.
3:57:00
